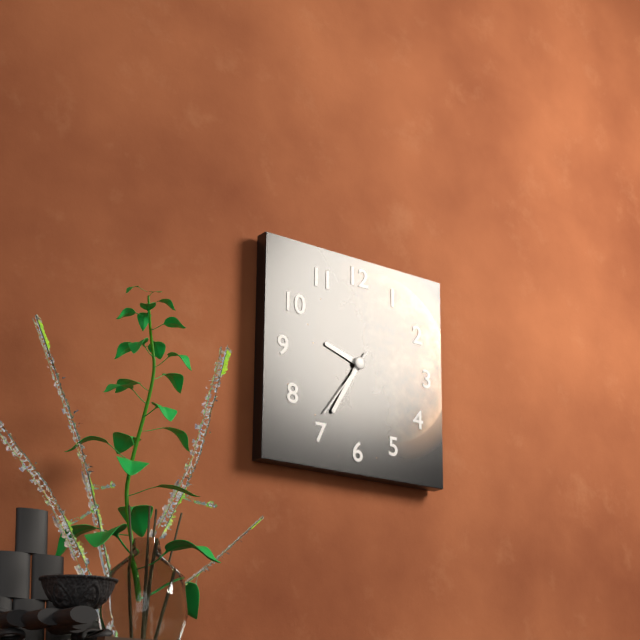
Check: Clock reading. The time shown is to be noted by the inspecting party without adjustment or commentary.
9:35:36
